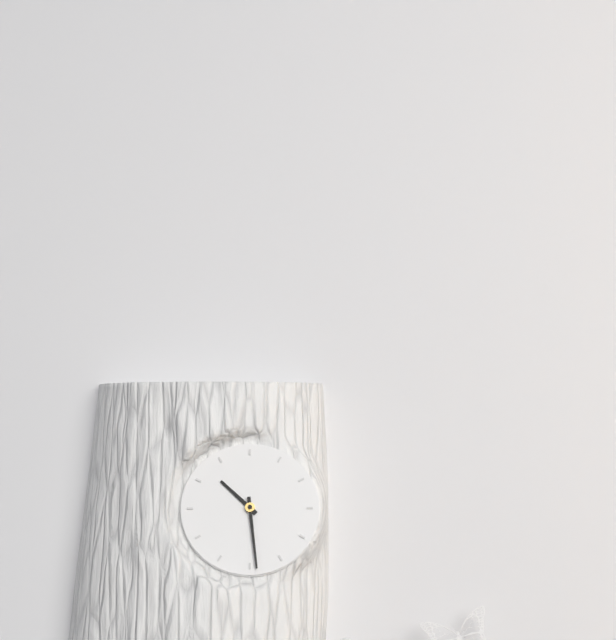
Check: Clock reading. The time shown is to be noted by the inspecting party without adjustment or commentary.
10:29
